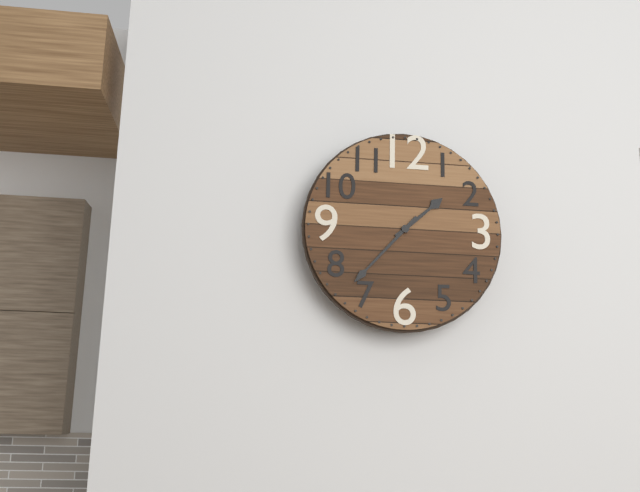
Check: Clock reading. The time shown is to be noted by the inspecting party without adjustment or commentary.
1:37
